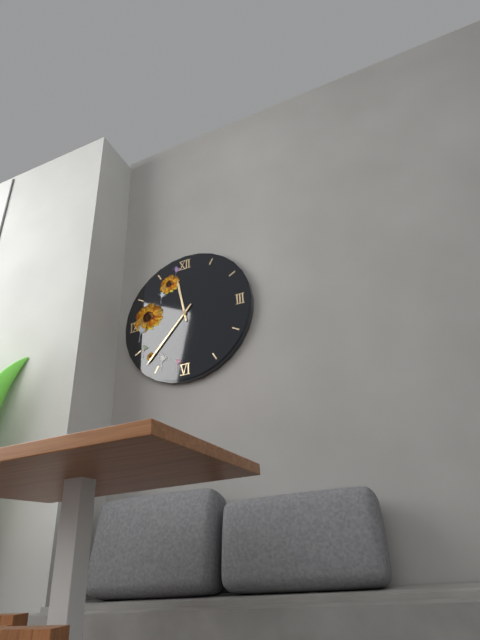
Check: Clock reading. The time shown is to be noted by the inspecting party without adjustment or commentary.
11:37
